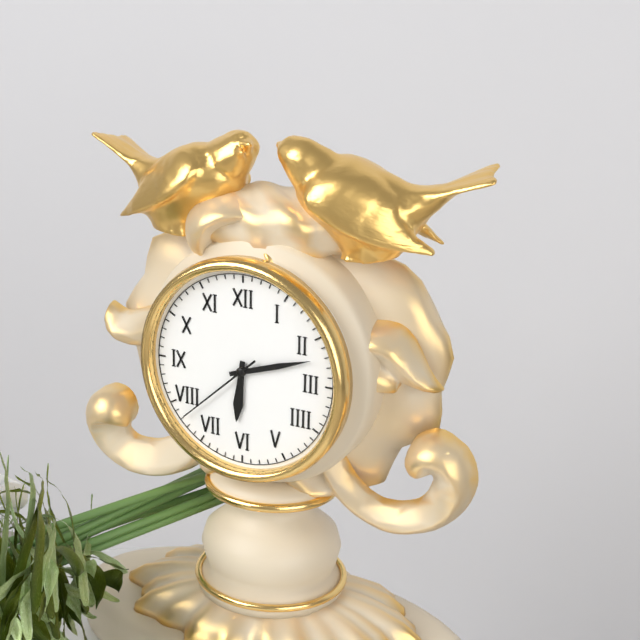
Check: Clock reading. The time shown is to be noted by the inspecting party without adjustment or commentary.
6:12:38
